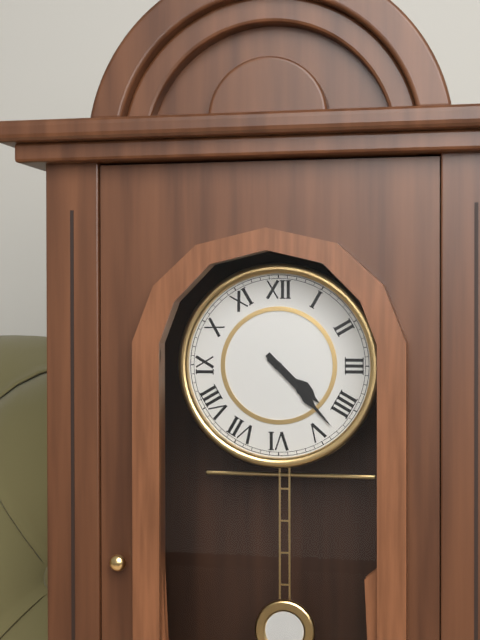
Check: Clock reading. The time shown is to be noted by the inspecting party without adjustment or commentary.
4:23
